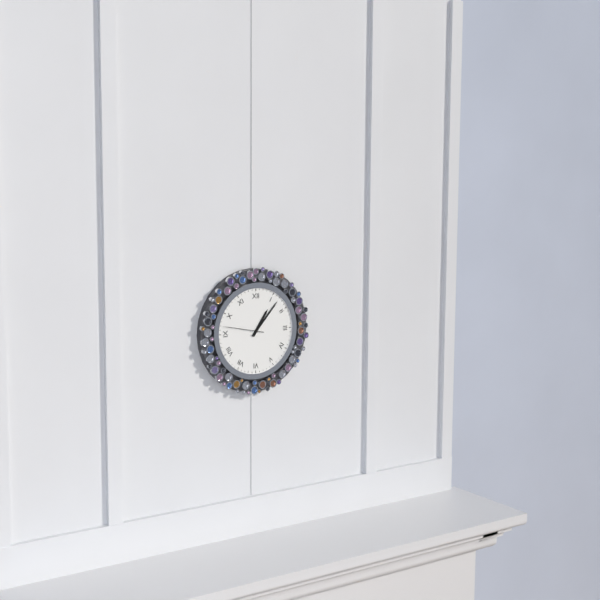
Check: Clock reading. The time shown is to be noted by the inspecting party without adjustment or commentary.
1:07
